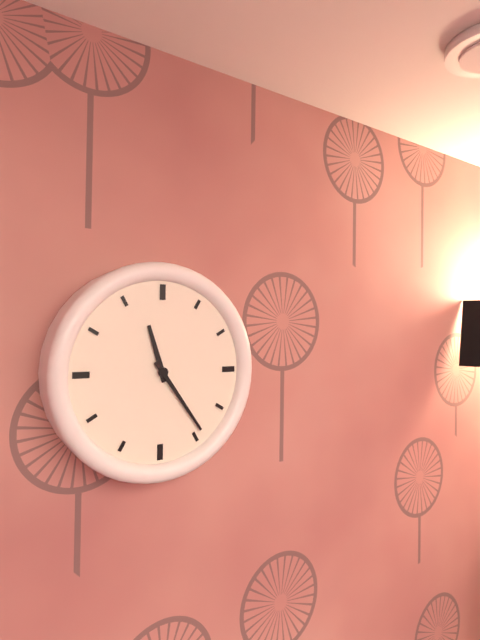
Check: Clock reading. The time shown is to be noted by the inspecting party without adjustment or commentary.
11:24
